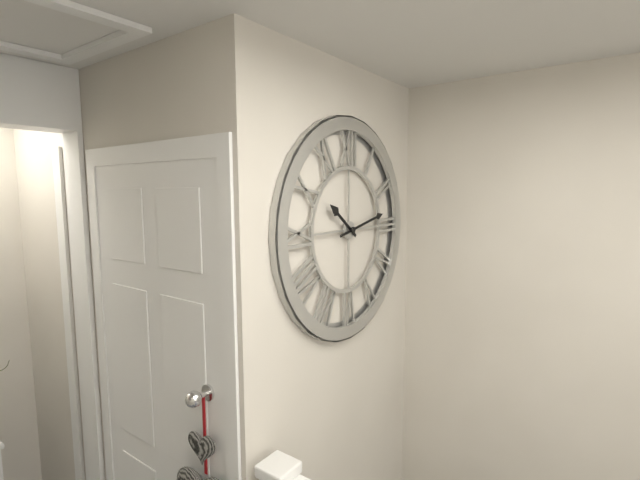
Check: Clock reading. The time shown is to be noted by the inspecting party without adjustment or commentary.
10:13
